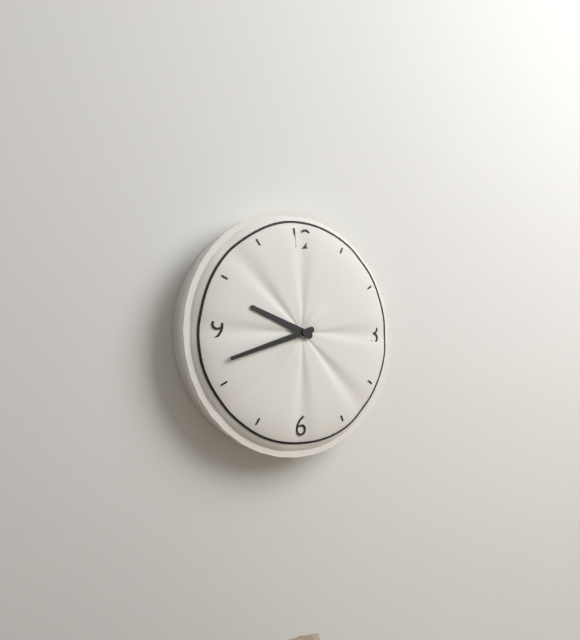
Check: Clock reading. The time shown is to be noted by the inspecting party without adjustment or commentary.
9:42
